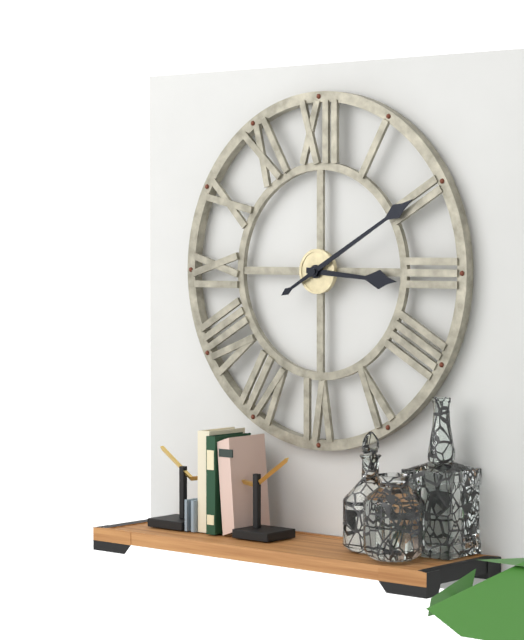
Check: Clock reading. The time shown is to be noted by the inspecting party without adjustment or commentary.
3:10
